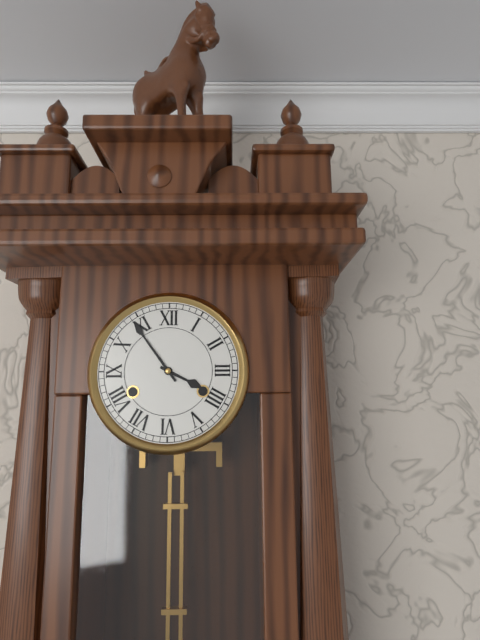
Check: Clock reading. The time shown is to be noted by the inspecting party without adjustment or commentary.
3:54
